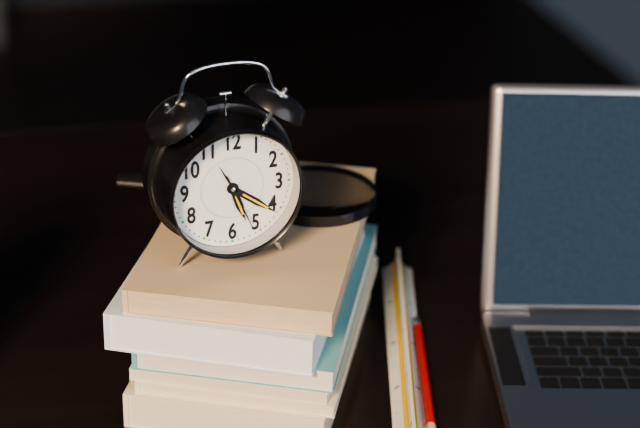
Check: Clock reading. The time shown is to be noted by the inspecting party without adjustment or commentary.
5:21:26
